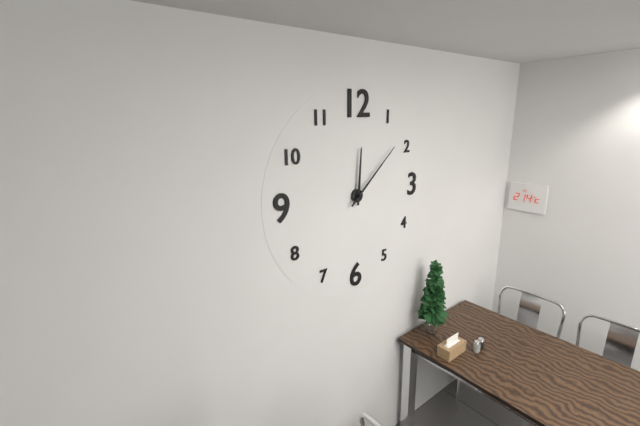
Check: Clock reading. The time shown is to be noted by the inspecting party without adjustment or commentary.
12:08
